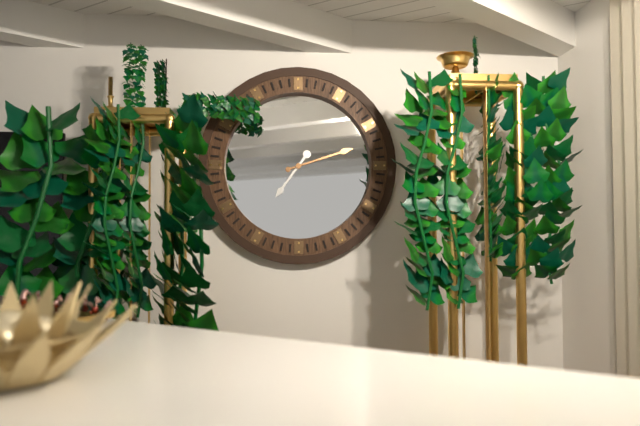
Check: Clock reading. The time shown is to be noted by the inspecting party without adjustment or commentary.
7:12
